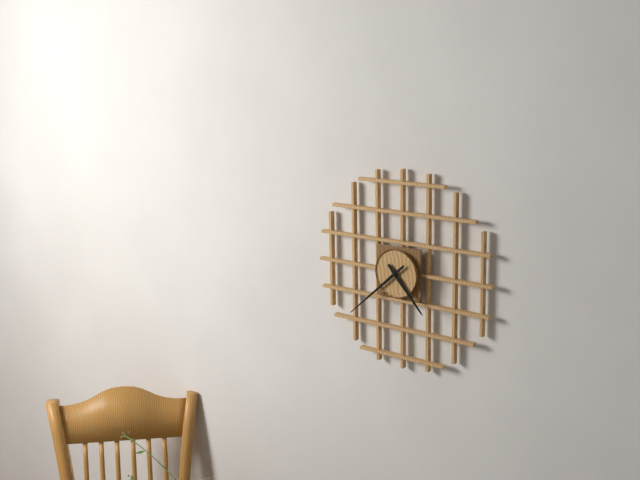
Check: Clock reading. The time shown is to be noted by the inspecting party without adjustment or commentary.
4:38
